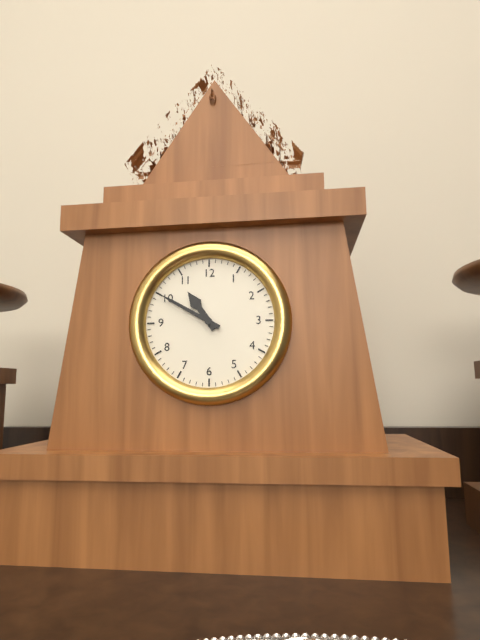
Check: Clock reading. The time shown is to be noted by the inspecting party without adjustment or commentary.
10:50
